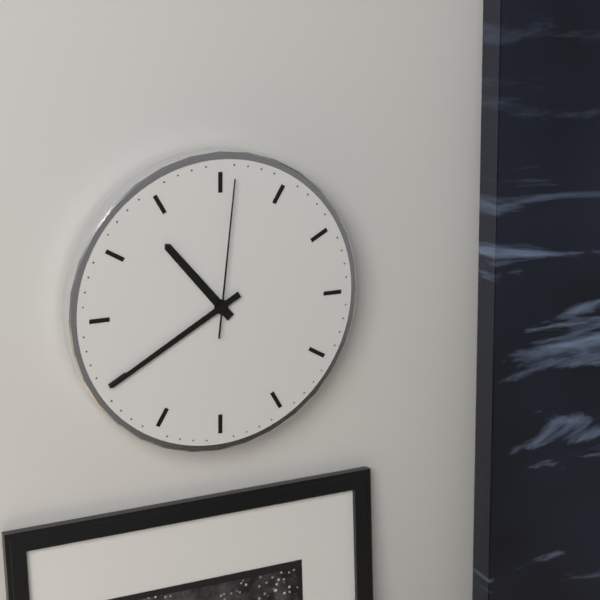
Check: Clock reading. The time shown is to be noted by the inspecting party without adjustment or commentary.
10:40:01
